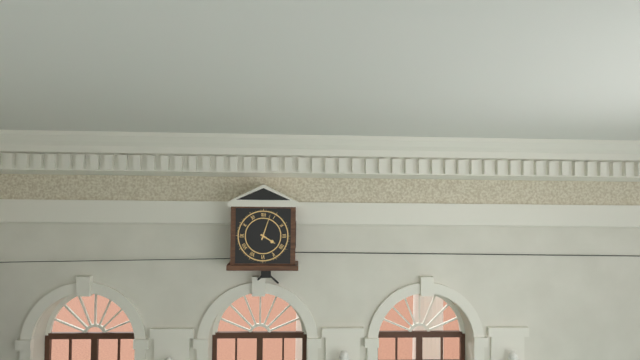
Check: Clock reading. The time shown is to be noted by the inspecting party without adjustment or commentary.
4:03
